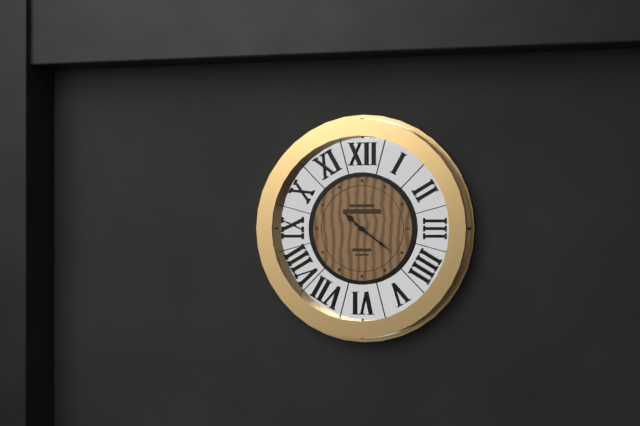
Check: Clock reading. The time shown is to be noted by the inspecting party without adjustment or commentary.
10:21
